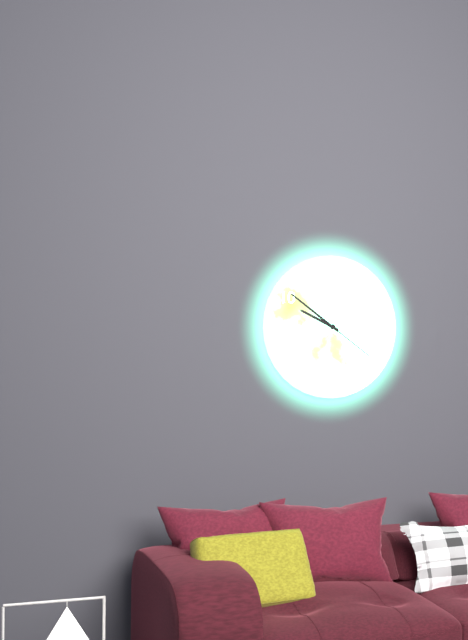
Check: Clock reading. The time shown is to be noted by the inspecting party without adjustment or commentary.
9:51:21
